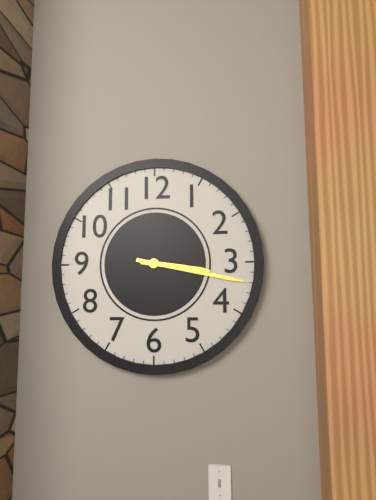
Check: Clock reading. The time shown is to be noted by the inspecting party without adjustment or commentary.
3:17
